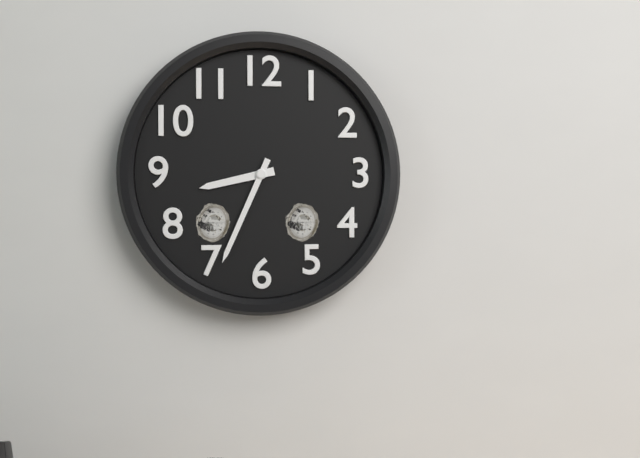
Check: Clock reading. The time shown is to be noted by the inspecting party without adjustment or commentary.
8:34
